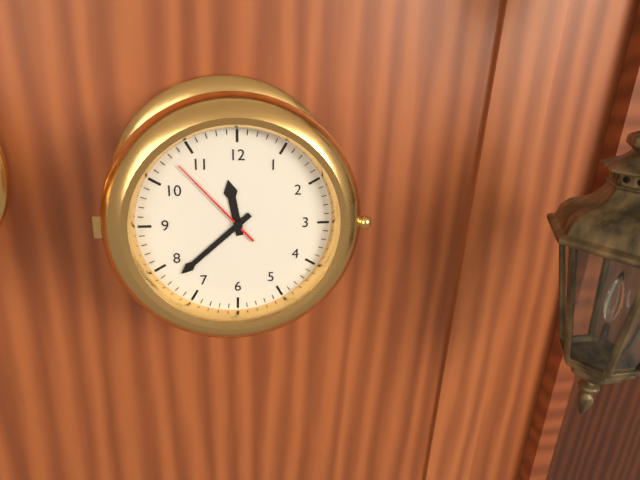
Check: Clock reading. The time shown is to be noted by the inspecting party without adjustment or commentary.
11:38:53
